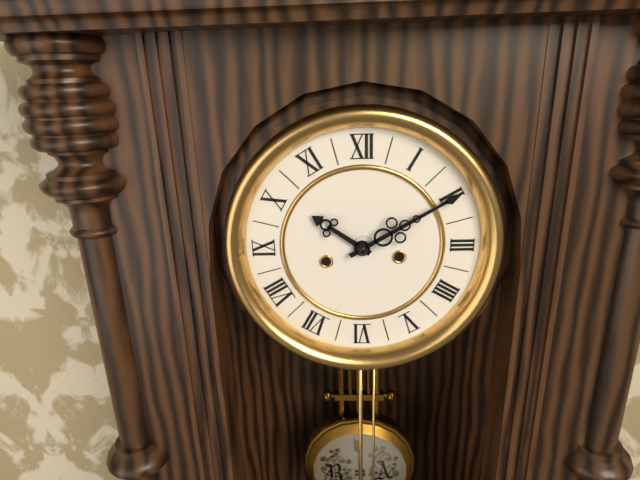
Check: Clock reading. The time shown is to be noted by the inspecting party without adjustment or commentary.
10:10
